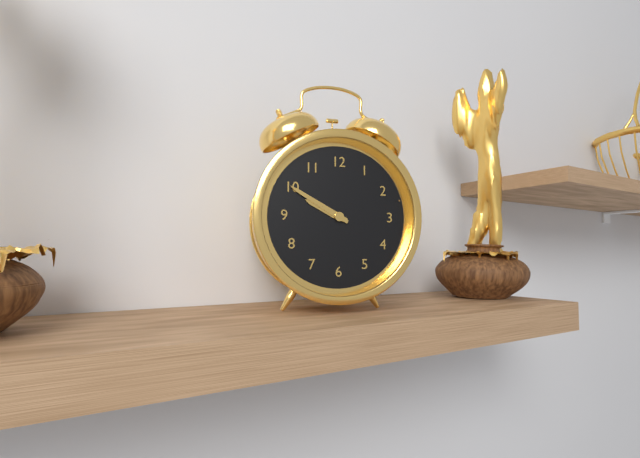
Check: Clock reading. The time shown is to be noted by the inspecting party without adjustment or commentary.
9:50
